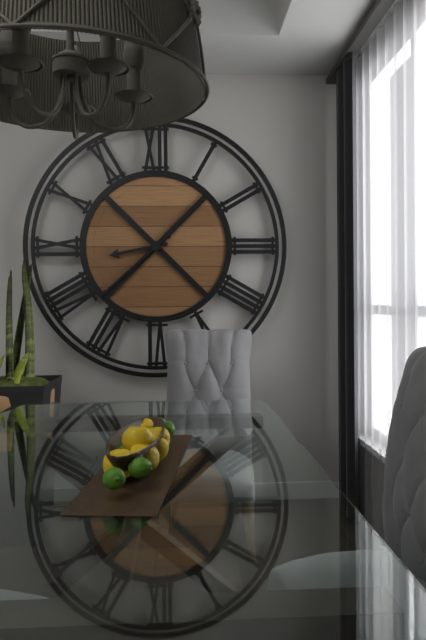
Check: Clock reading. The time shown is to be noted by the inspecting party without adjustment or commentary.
8:38
